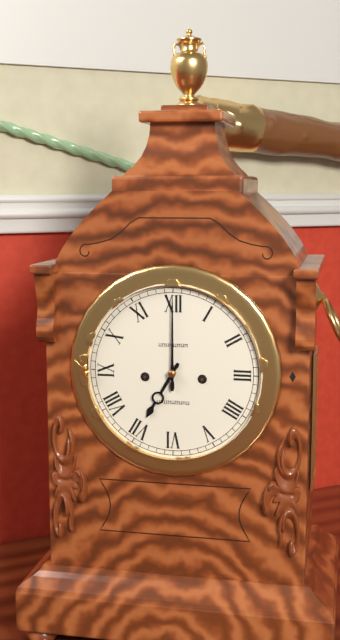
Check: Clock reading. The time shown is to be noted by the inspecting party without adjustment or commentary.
7:00
